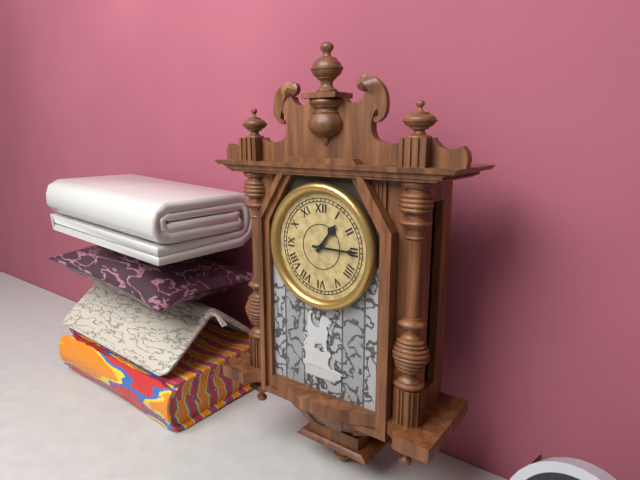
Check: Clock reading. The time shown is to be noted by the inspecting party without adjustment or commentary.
1:15
